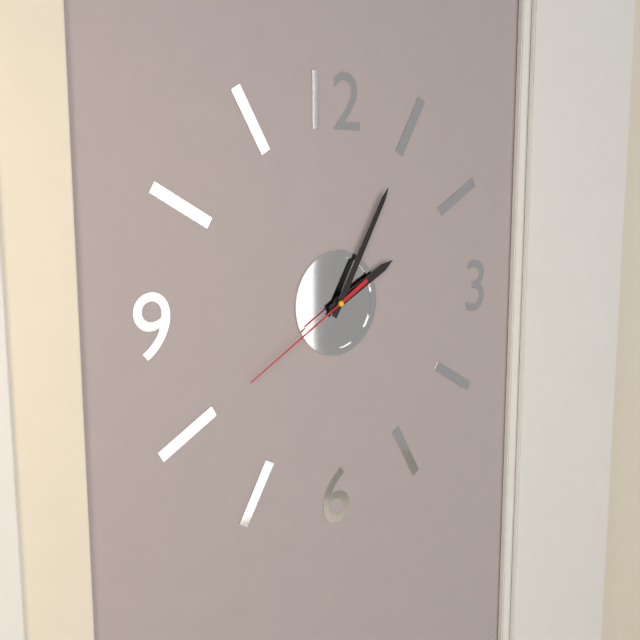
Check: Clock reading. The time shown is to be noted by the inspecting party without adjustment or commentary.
2:05:40
